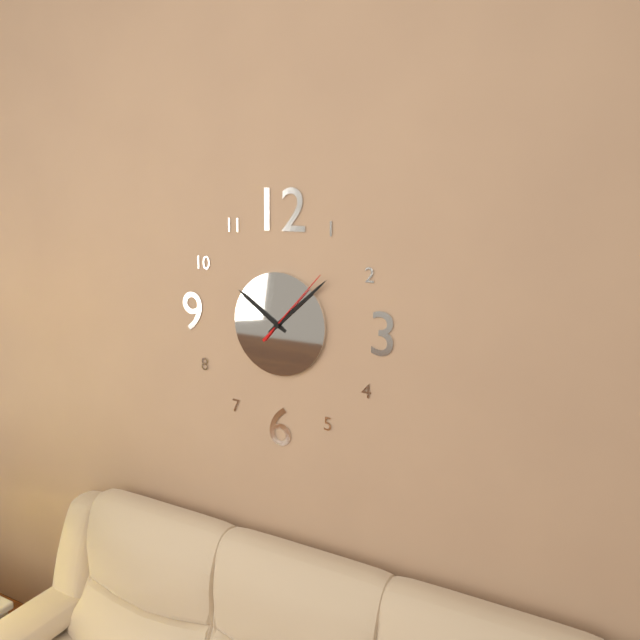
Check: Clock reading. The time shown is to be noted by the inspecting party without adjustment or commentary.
10:08:07
